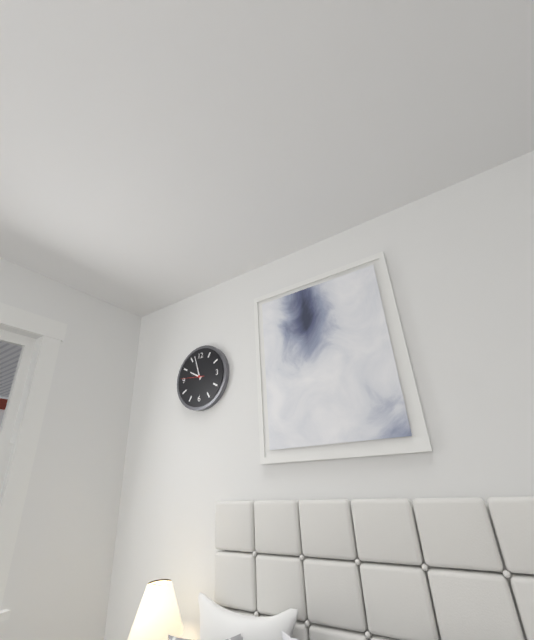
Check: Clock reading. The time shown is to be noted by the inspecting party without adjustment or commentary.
9:57
